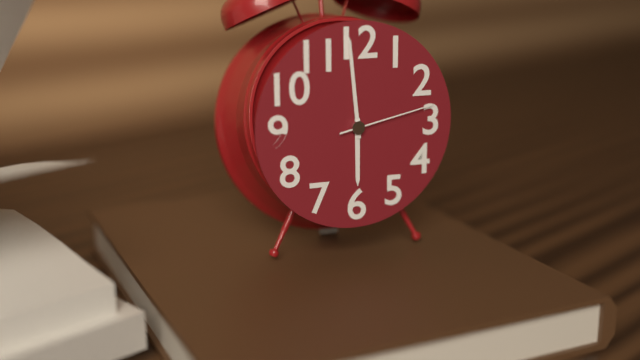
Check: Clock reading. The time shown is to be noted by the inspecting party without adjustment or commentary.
5:59:13
